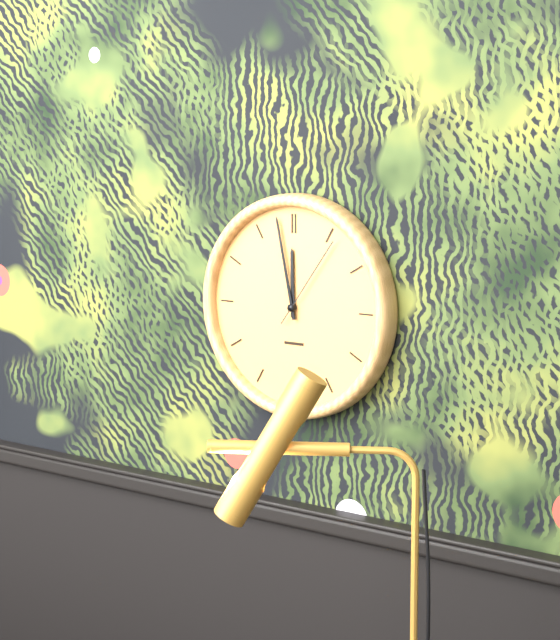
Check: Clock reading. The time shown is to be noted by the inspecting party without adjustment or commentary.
11:58:06
